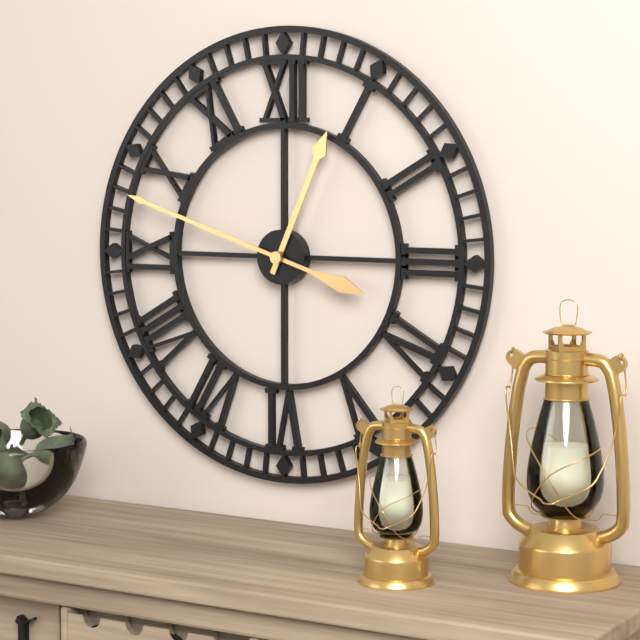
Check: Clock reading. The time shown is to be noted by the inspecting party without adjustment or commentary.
12:48
